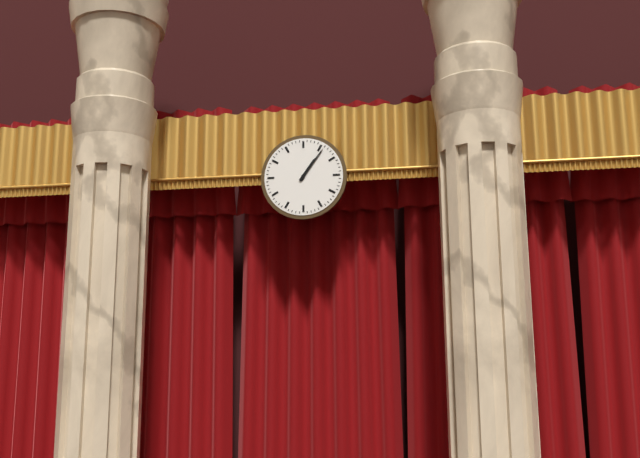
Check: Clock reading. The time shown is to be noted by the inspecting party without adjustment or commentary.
1:06
